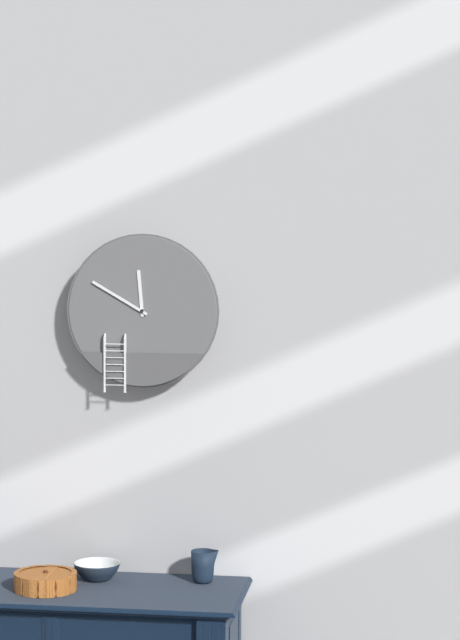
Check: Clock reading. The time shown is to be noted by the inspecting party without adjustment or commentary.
11:50
